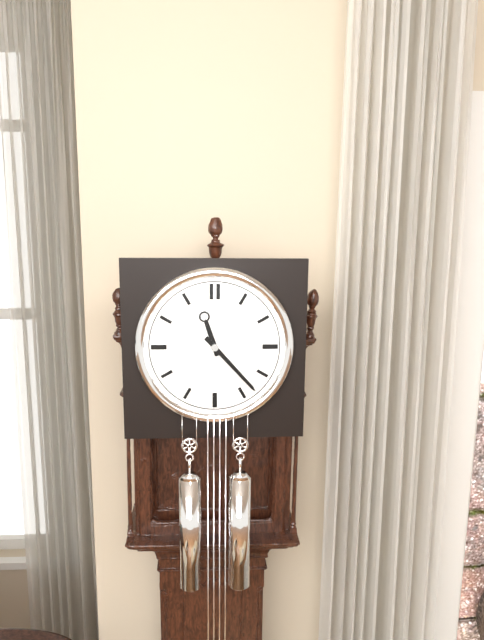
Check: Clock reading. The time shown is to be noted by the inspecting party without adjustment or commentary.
11:23
